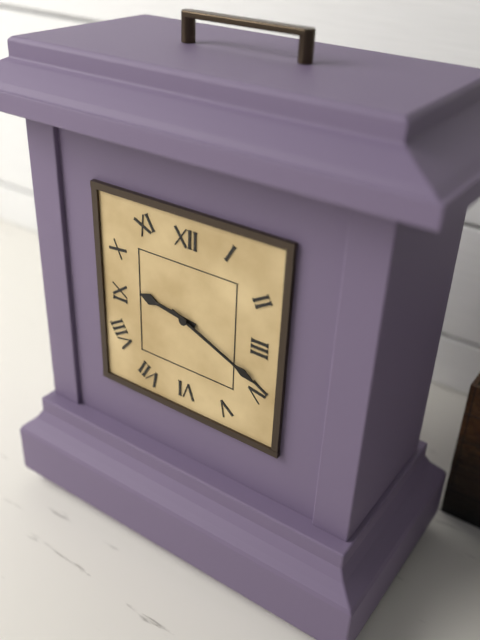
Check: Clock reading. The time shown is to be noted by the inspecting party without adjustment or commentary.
9:19
